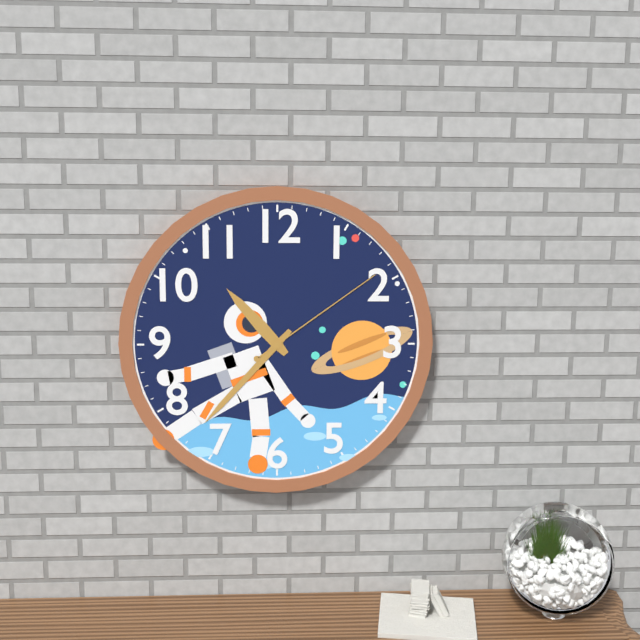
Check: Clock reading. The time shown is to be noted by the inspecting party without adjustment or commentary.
10:37:09
